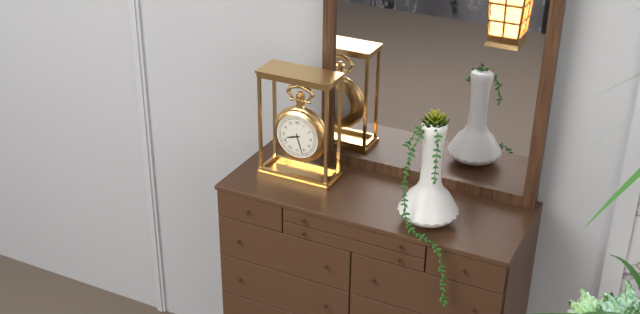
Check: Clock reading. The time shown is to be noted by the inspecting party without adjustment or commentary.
8:27
